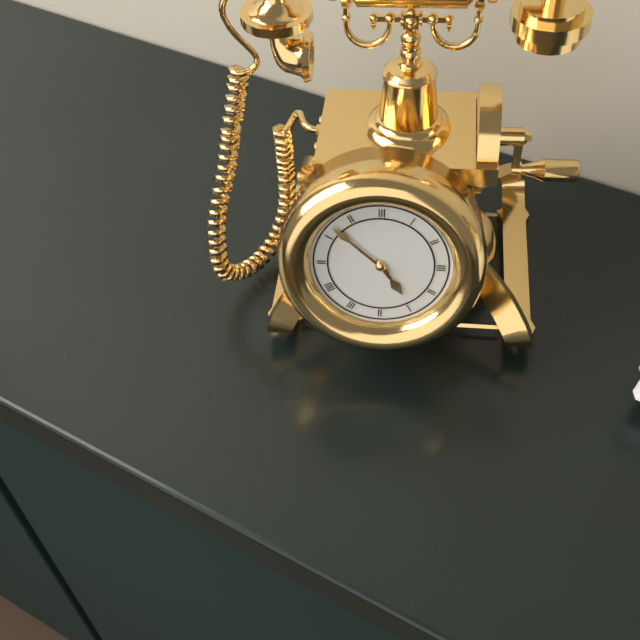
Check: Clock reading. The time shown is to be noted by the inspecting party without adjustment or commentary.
4:52
